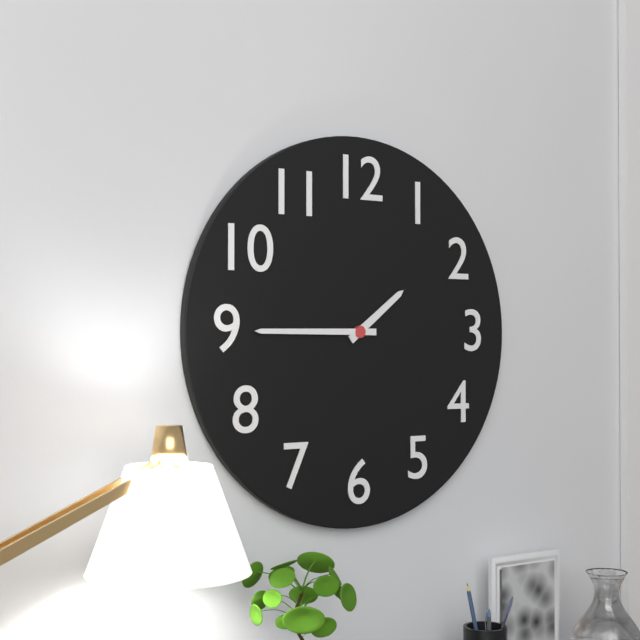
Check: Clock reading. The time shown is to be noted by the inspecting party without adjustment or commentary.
1:45
